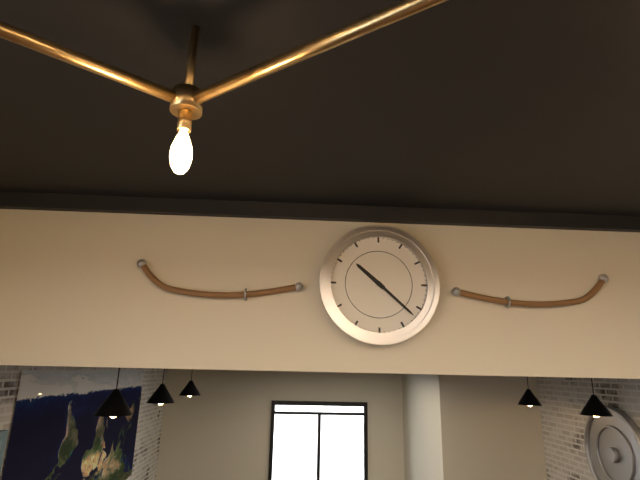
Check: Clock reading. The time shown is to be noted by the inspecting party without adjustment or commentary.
10:22
